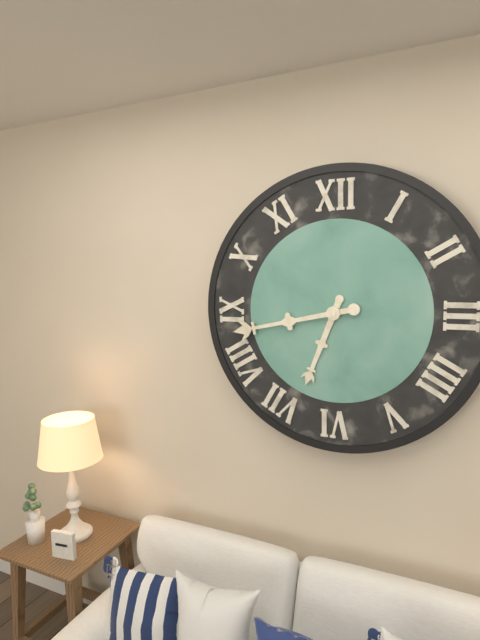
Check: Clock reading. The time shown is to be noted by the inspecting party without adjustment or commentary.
6:43
